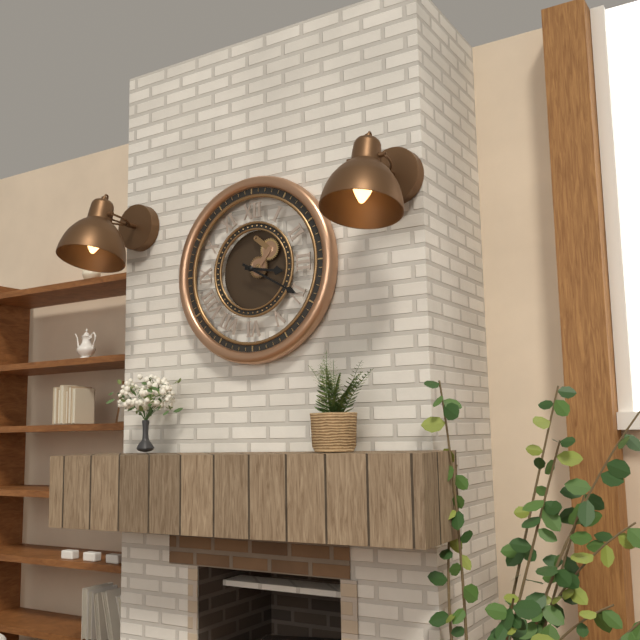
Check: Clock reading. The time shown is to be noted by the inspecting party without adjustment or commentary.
3:20
